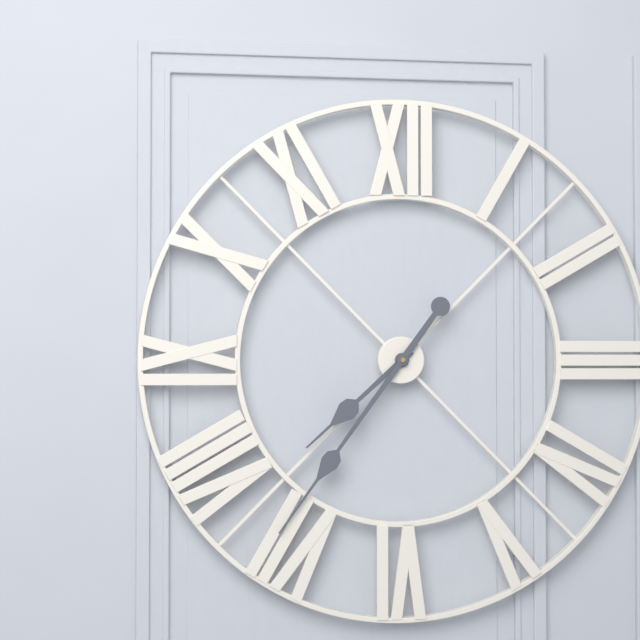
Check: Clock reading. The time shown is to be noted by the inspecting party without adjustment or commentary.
7:36
